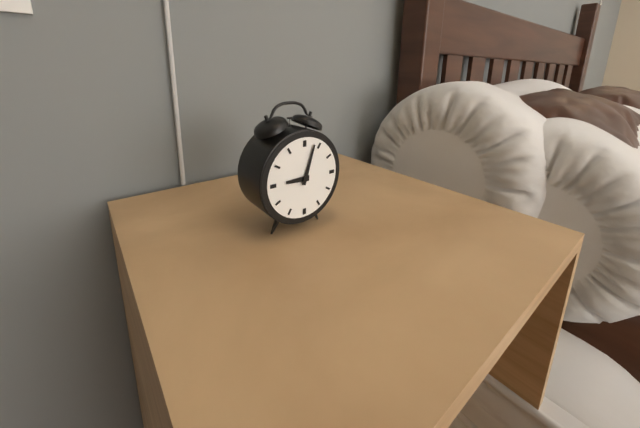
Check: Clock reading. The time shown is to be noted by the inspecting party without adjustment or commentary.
9:03
